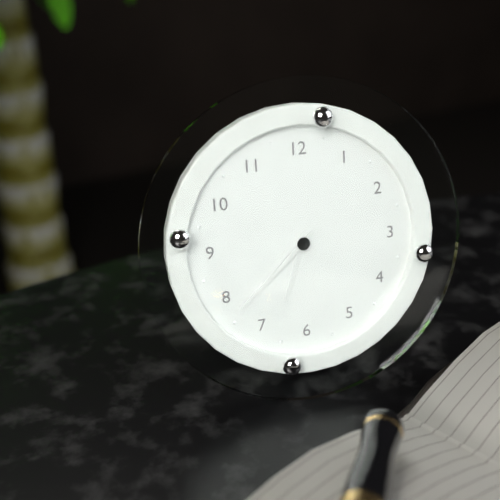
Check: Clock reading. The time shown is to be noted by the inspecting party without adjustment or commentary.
6:38
